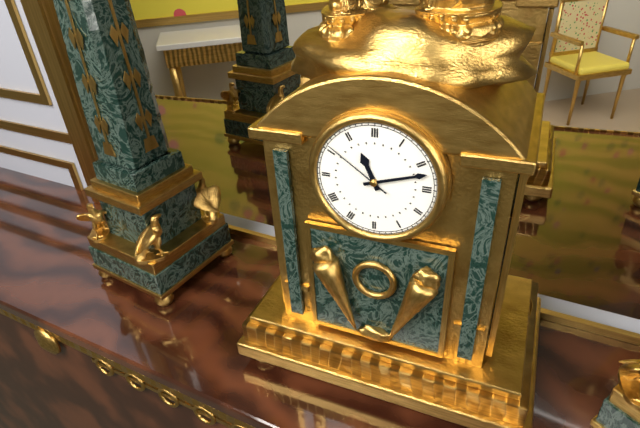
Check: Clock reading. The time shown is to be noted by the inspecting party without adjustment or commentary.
11:12:51
